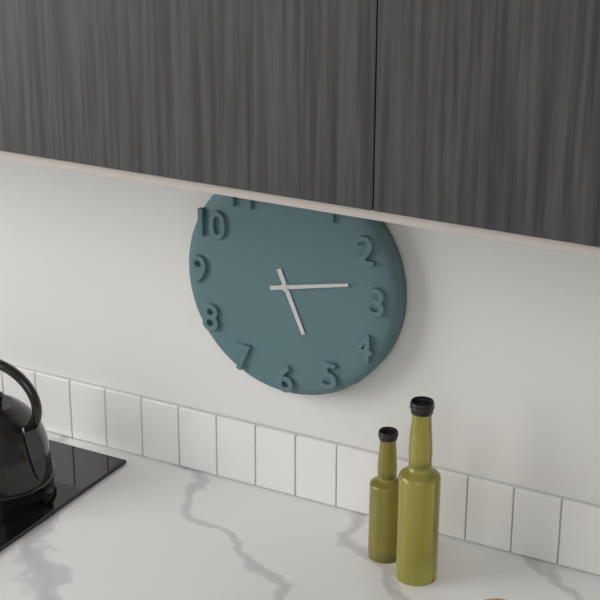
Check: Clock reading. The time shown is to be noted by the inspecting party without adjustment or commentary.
5:13
